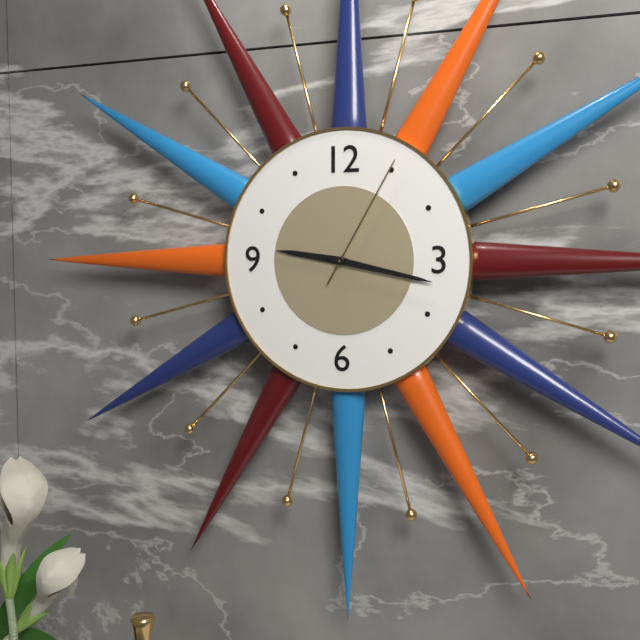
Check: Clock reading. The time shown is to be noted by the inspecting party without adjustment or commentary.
9:17:05
